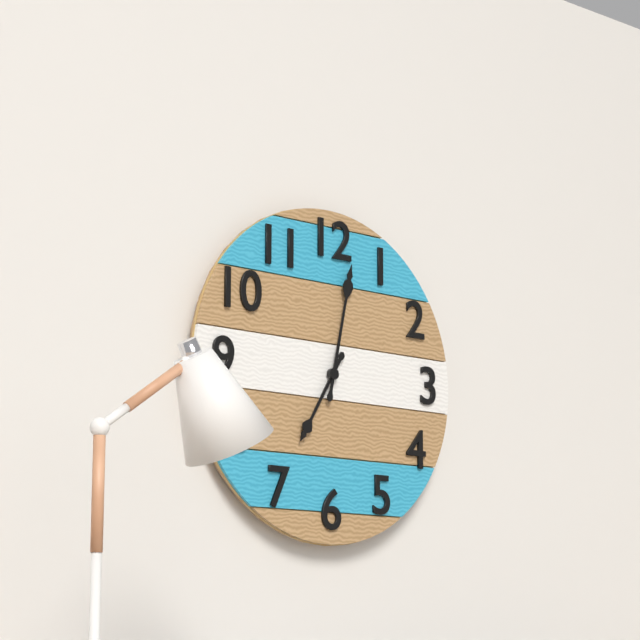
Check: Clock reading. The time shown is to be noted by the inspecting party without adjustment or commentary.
7:02
